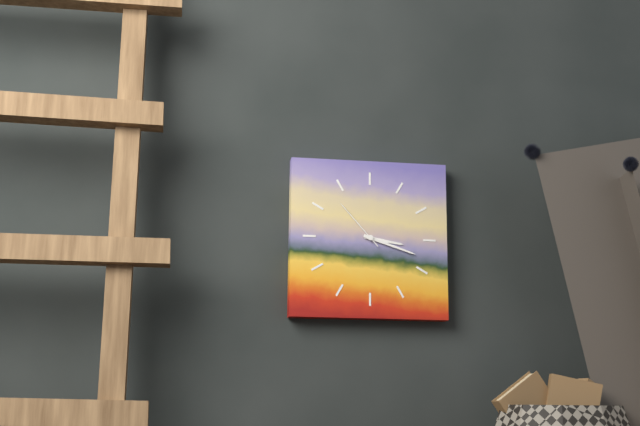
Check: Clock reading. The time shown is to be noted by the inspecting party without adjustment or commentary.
3:18:53
